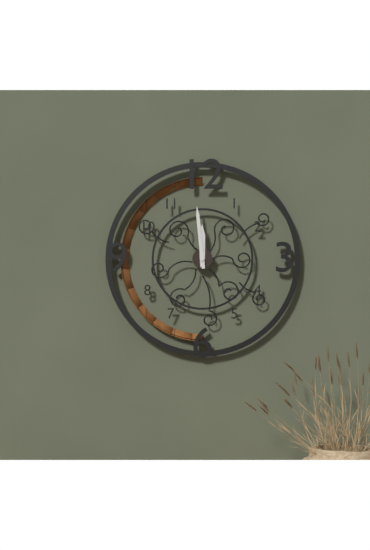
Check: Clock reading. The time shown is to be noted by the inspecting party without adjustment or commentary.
11:59
